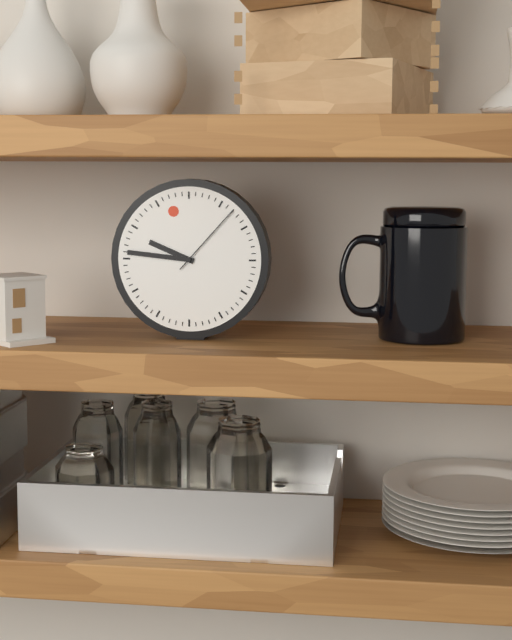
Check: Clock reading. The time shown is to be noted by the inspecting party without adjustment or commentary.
9:46:07
